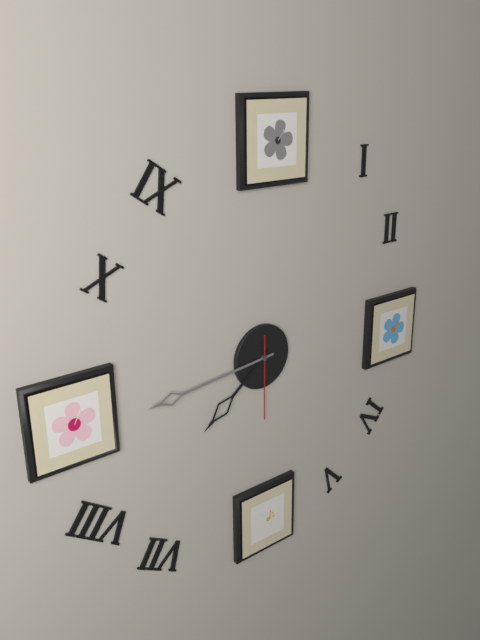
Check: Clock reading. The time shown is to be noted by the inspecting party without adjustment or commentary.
7:44:30
